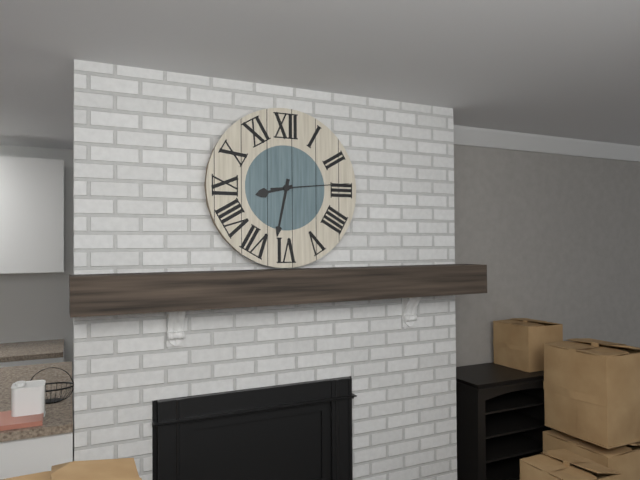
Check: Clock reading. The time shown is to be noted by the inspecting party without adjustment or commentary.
8:32:14
